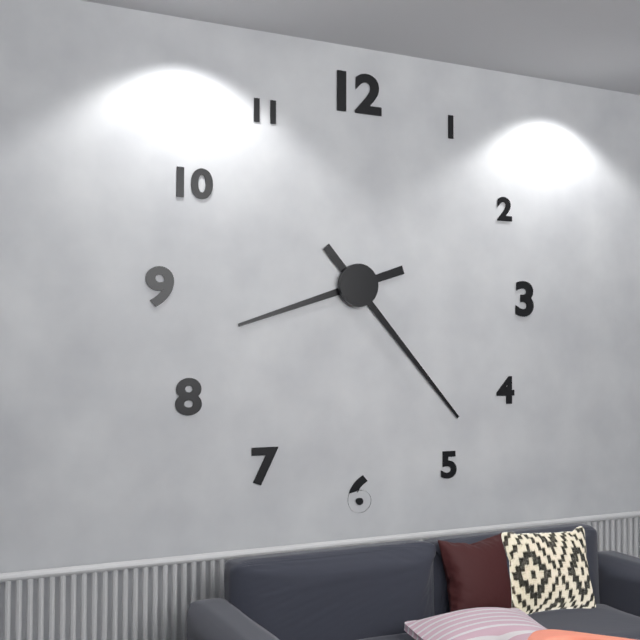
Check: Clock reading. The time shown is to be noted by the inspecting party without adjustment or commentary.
8:23
